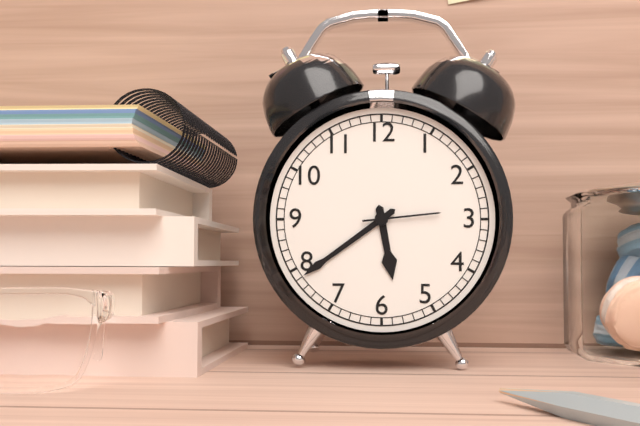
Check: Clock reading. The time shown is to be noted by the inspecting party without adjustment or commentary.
5:39:14
